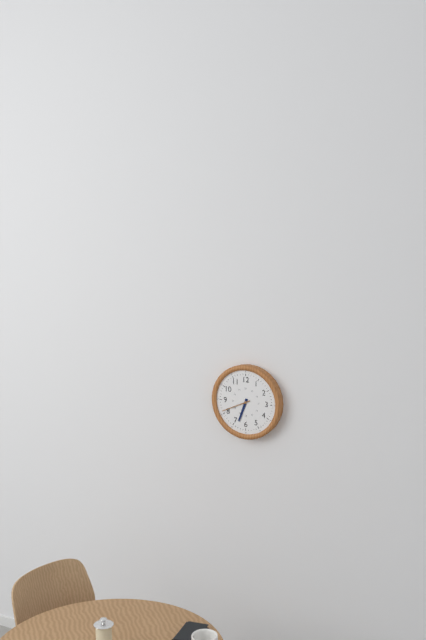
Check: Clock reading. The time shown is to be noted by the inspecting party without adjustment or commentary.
6:41
